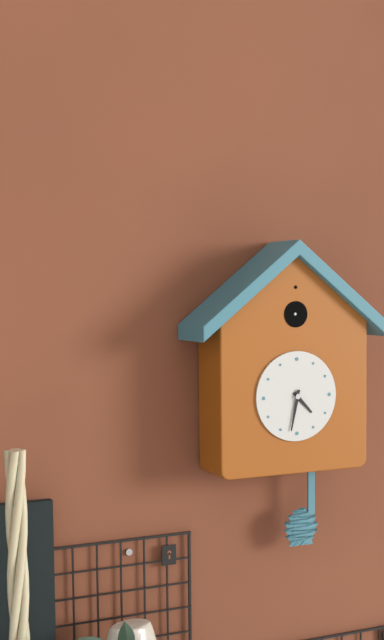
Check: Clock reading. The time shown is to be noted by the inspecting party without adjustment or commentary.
4:32
